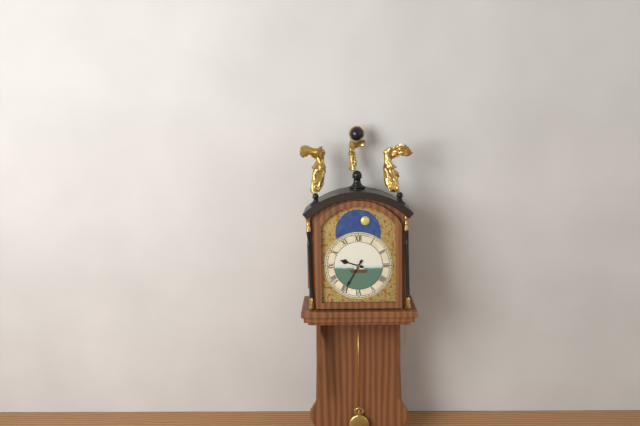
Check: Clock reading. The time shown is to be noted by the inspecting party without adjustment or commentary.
9:35
